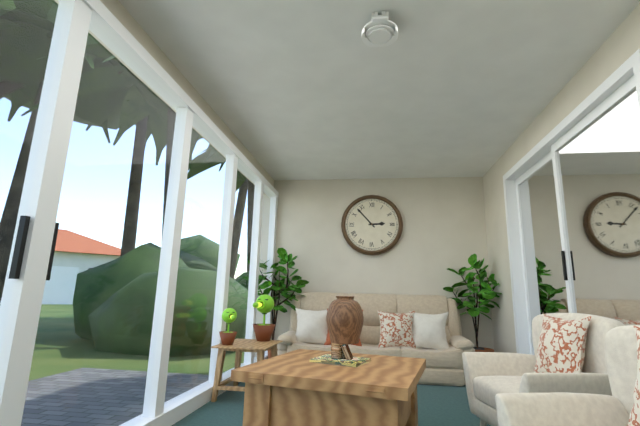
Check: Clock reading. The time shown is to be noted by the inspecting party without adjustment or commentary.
2:53
